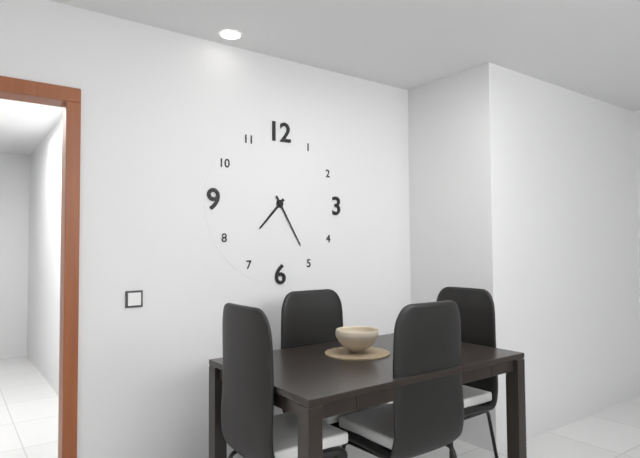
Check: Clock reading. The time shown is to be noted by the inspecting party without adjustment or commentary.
7:25
